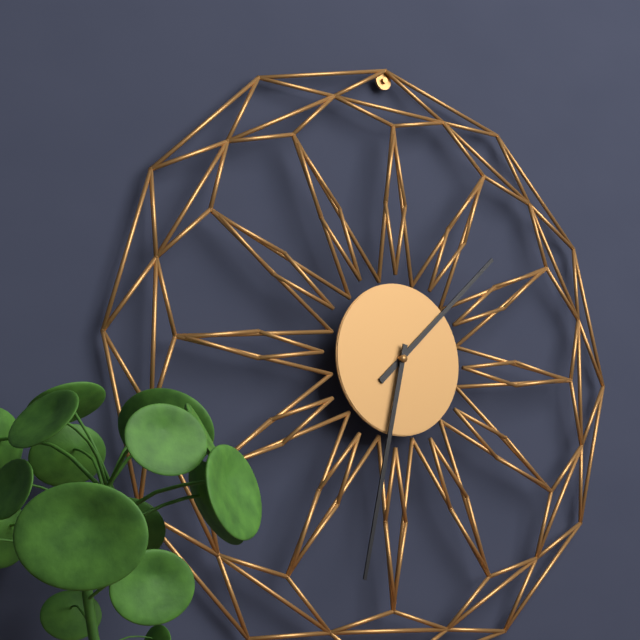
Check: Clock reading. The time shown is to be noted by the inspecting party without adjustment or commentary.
1:32
